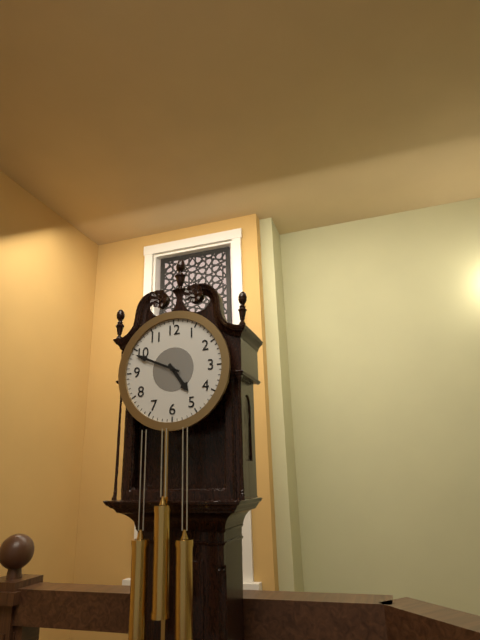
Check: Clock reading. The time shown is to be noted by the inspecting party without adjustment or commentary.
4:49
